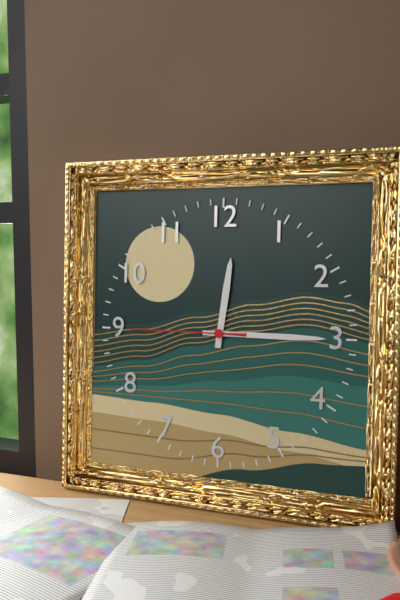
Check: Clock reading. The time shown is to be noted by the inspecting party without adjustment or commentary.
12:15:45
